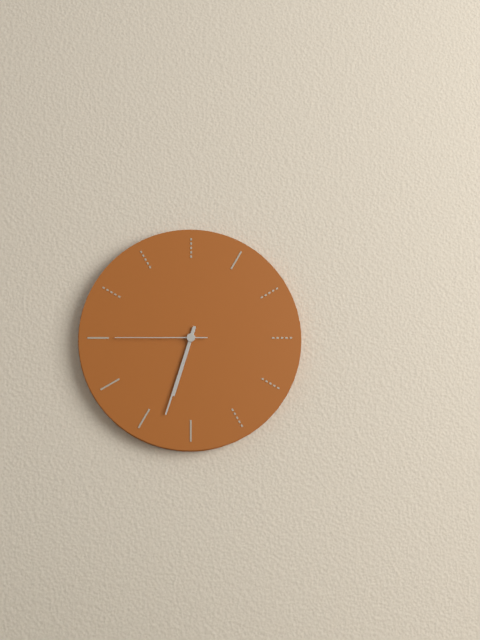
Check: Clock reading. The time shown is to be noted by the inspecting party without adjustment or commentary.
6:33:45
